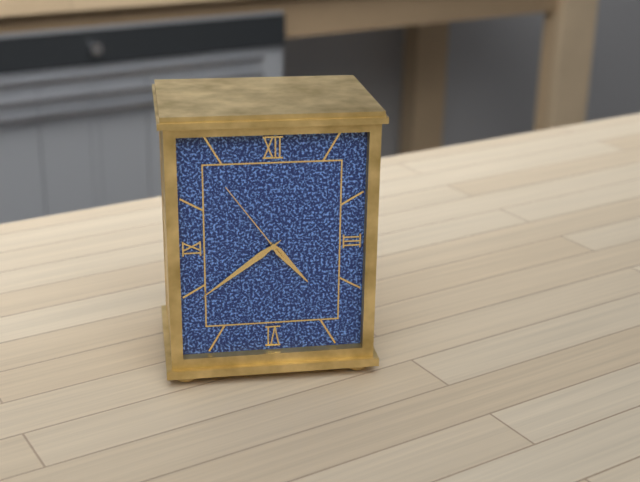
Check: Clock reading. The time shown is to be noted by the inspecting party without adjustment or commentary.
4:39:54
